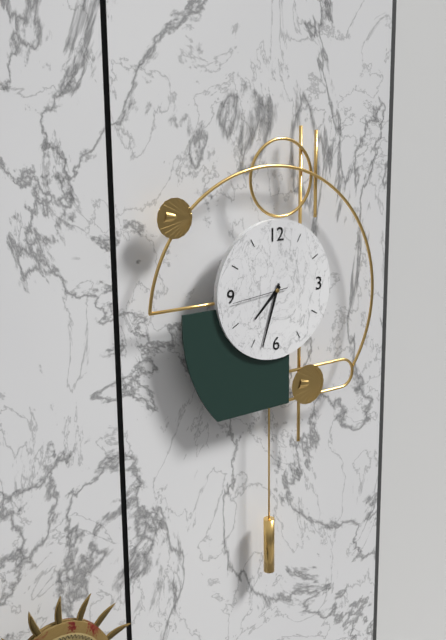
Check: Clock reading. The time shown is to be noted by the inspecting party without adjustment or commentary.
7:33:44
